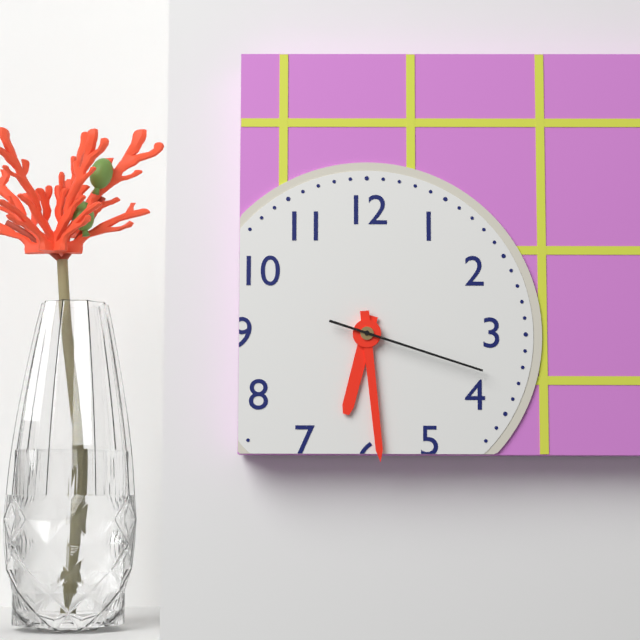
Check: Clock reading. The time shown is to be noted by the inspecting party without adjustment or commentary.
6:29:18
